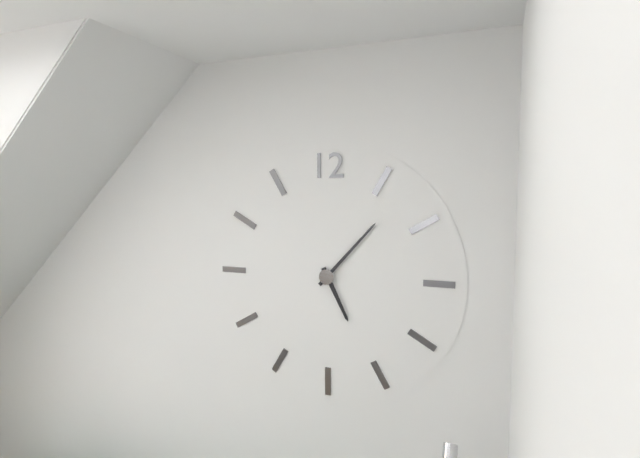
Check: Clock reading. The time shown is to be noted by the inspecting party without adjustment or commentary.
5:07
